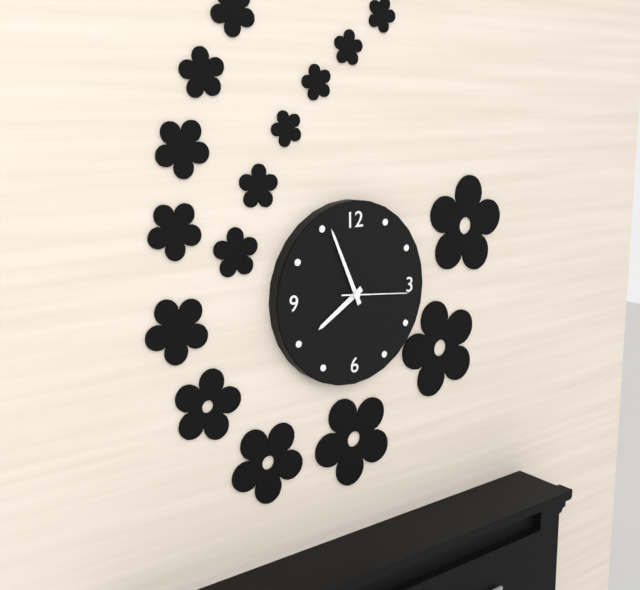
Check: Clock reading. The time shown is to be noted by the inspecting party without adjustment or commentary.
7:56:16
